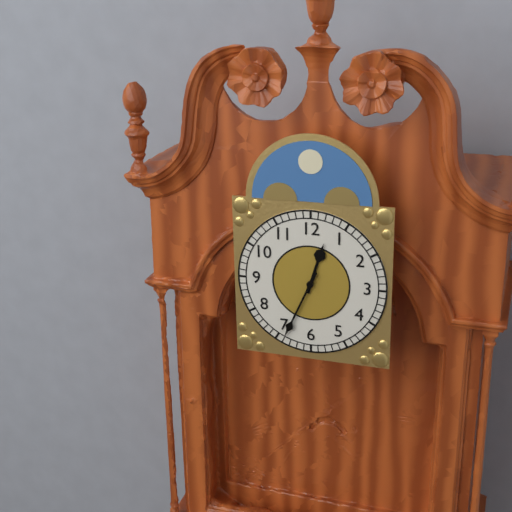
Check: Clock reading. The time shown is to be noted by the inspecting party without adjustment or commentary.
12:34
